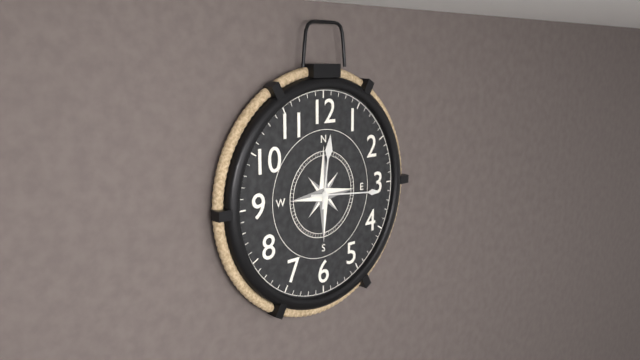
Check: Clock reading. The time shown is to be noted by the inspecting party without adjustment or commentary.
12:16
